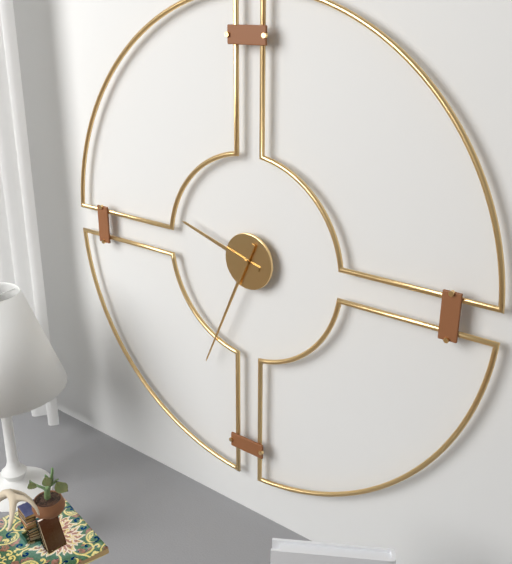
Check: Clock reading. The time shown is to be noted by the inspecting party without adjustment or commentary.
9:34
